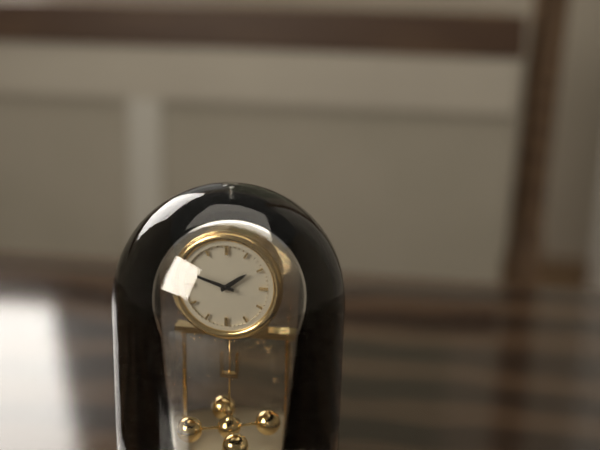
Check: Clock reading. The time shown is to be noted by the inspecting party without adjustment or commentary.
1:48
